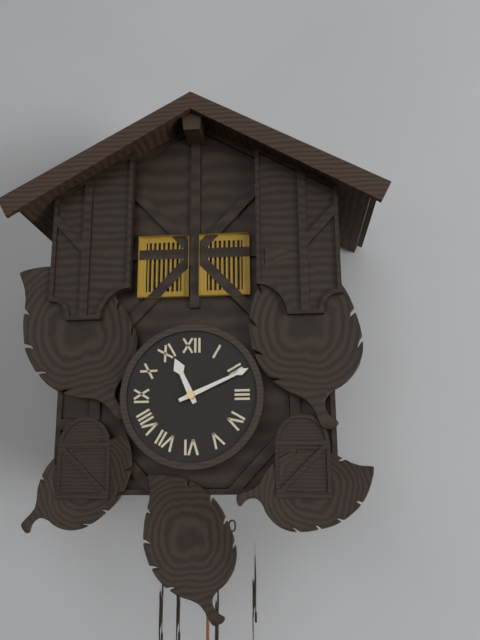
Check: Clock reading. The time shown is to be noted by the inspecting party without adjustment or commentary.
11:11
